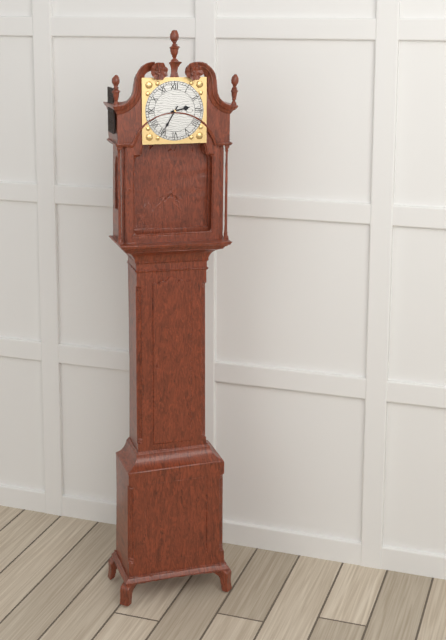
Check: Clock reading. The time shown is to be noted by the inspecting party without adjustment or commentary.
2:35
